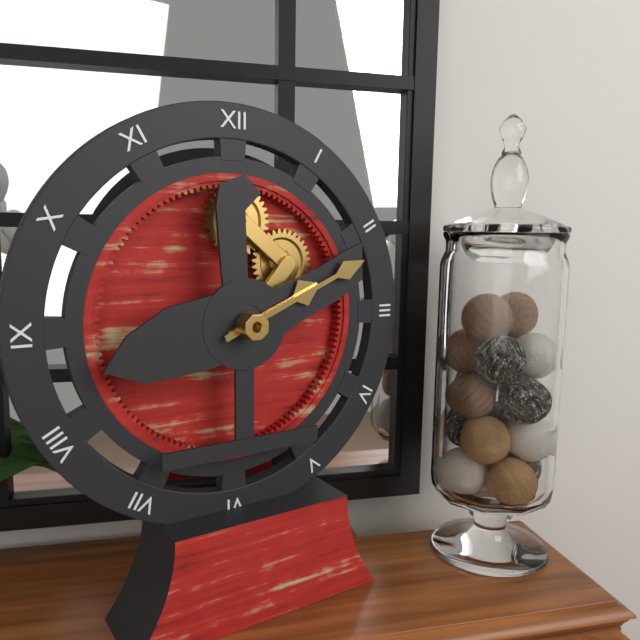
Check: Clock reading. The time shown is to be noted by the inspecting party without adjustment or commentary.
2:11
